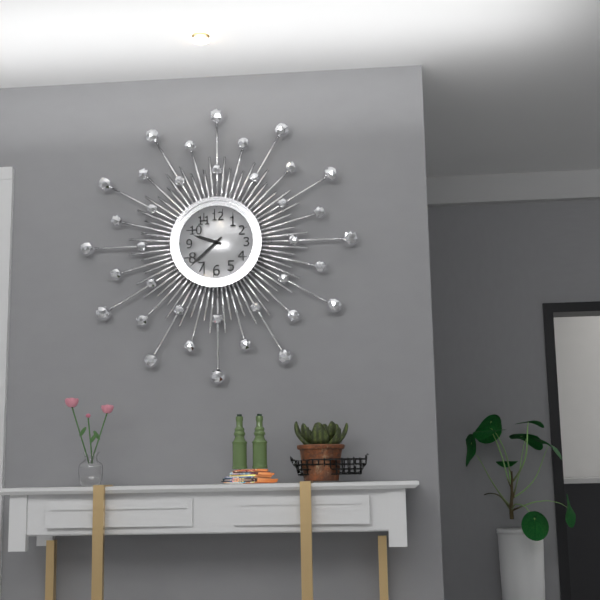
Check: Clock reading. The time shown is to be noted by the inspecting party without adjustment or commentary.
9:38
